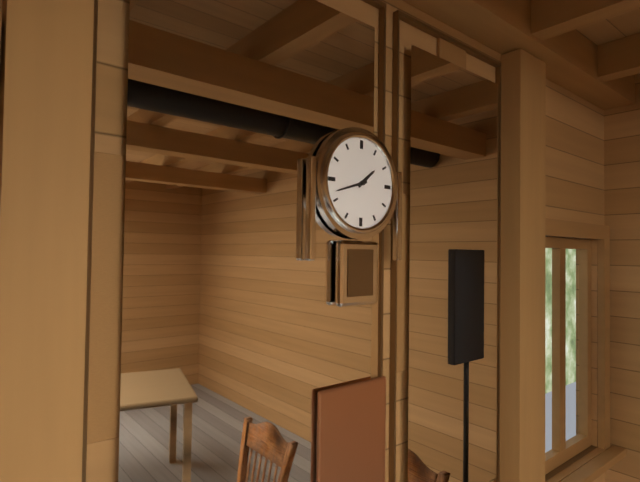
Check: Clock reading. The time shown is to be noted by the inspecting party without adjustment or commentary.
1:42
